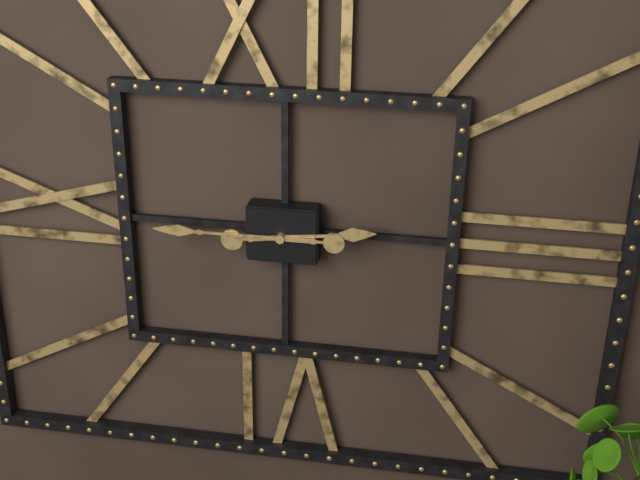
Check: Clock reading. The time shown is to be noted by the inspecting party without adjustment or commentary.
2:45
